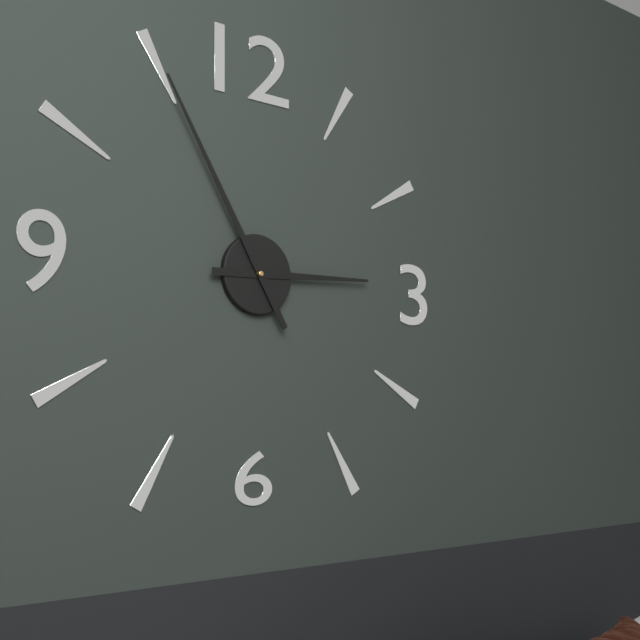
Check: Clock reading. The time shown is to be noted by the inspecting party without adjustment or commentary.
2:55
